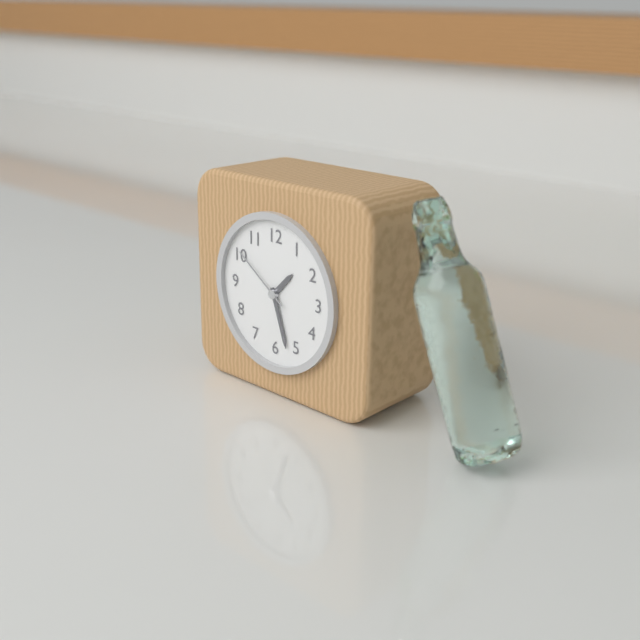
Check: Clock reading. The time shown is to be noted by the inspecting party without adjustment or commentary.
1:27:51
